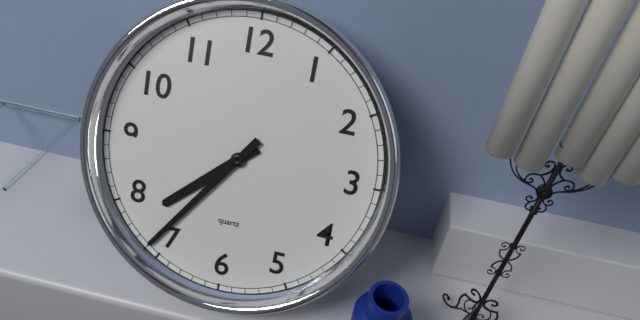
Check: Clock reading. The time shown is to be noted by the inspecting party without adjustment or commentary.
7:36
